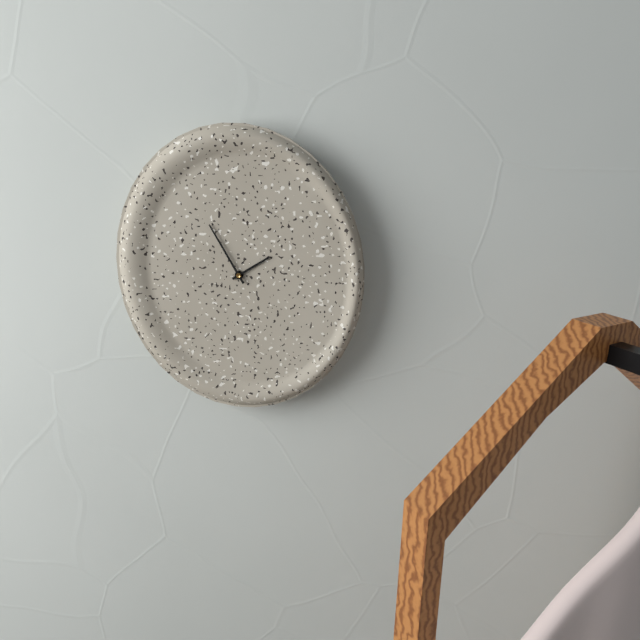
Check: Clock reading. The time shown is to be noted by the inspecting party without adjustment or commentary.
1:55
